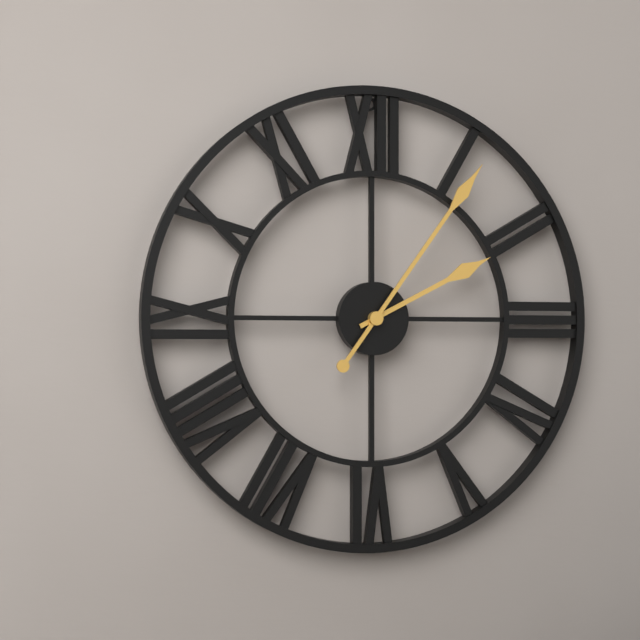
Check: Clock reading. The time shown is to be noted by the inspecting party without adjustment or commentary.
2:06
